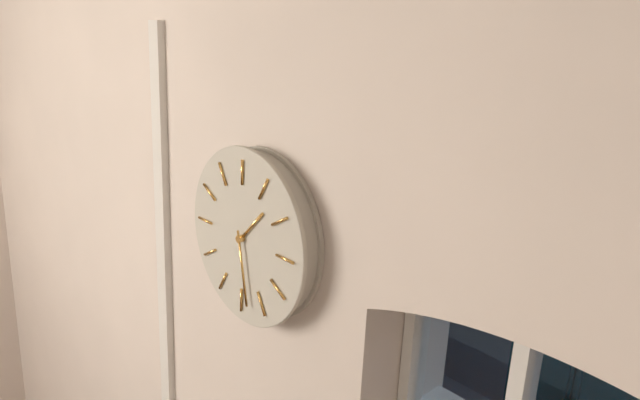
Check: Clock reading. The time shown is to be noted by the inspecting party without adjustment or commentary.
1:28
